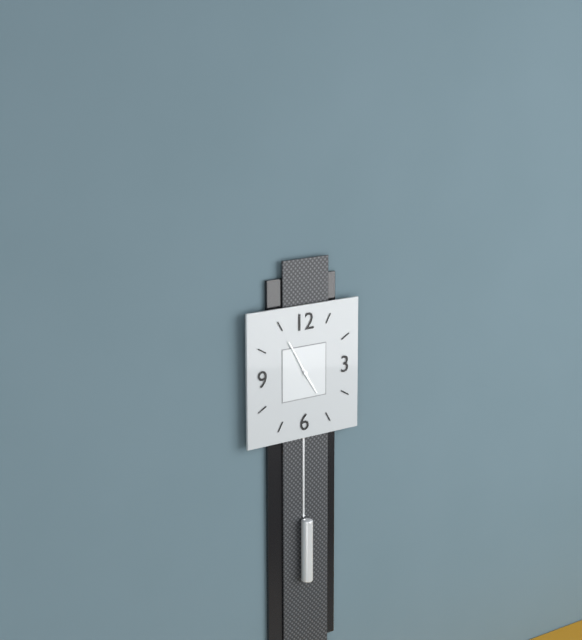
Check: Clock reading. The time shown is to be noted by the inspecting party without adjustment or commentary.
4:55
